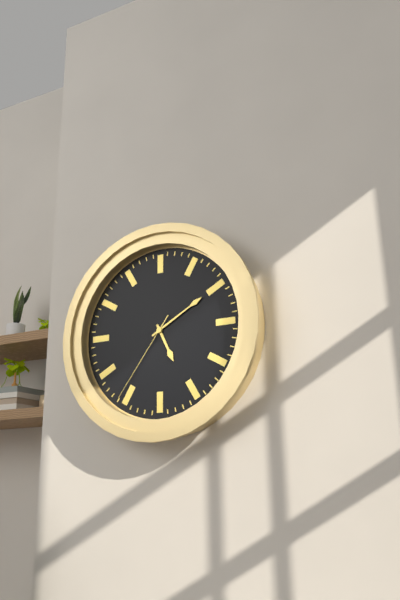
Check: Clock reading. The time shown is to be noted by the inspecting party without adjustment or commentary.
5:10:36
